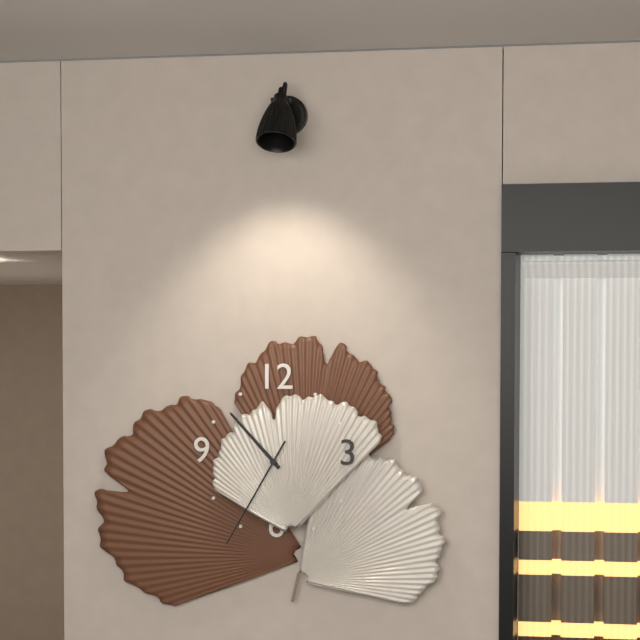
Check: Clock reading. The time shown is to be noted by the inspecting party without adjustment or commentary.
10:35
